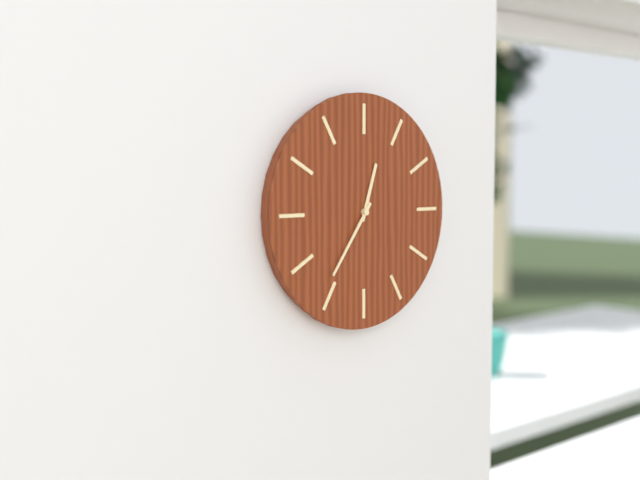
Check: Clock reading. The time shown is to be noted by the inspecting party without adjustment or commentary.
12:36
